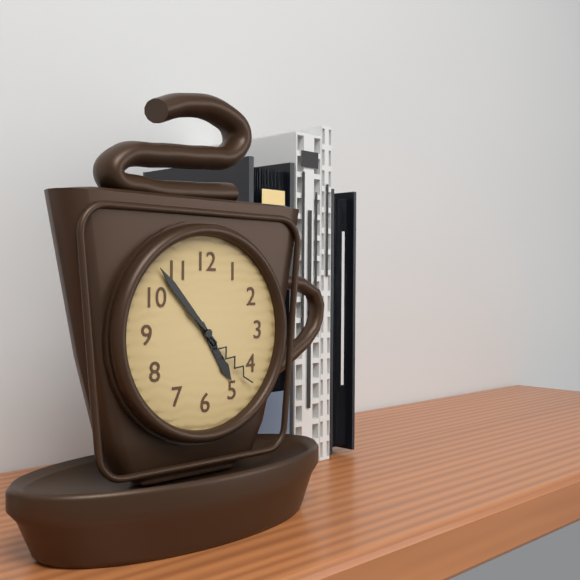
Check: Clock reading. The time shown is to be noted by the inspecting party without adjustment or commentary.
4:53:22
